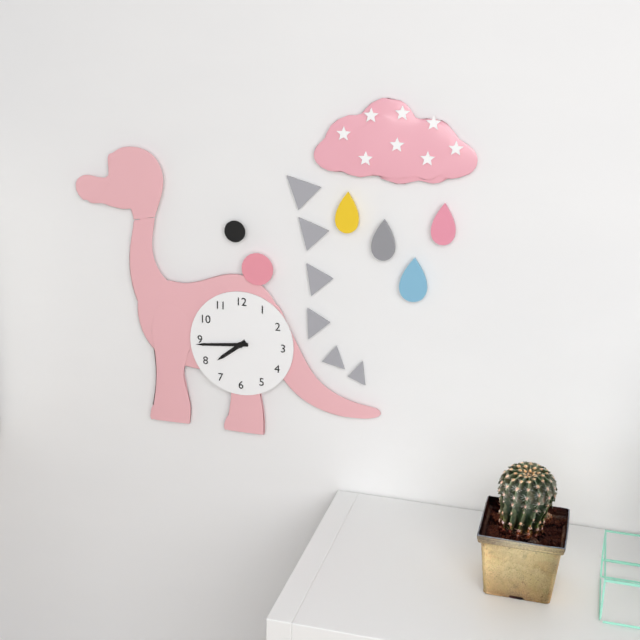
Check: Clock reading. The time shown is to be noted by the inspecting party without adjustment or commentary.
7:44
